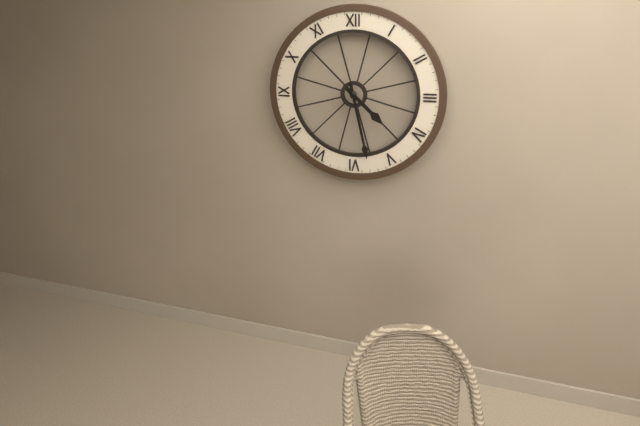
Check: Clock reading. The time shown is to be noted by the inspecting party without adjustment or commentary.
4:28
